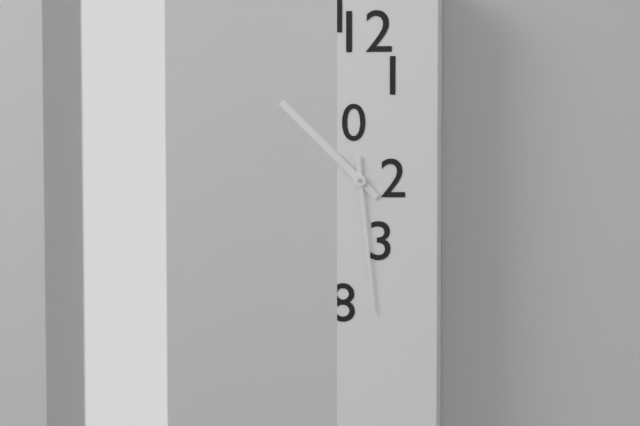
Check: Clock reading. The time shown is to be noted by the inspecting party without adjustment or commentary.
10:29
